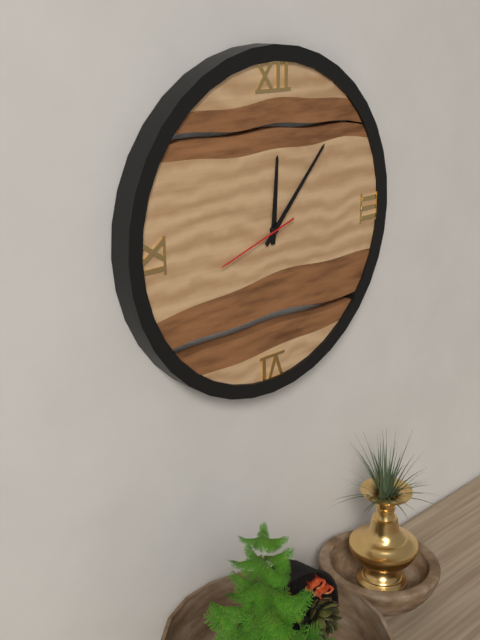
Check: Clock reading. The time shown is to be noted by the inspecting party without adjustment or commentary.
12:07:42
